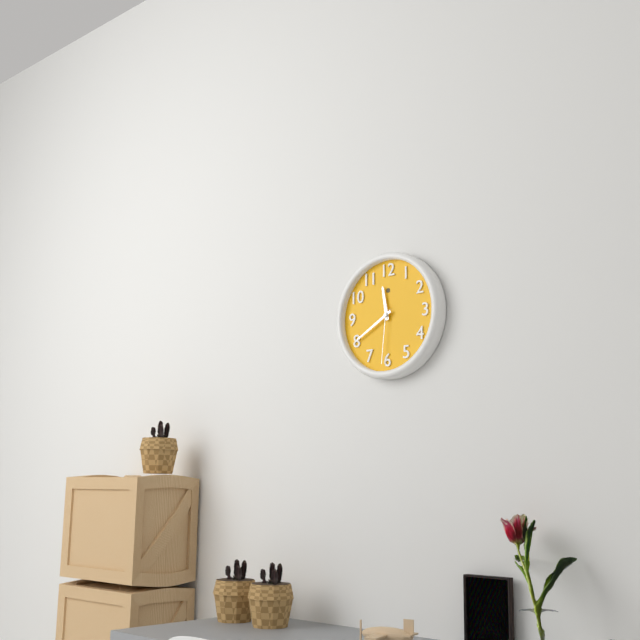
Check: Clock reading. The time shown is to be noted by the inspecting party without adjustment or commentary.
11:40:31
